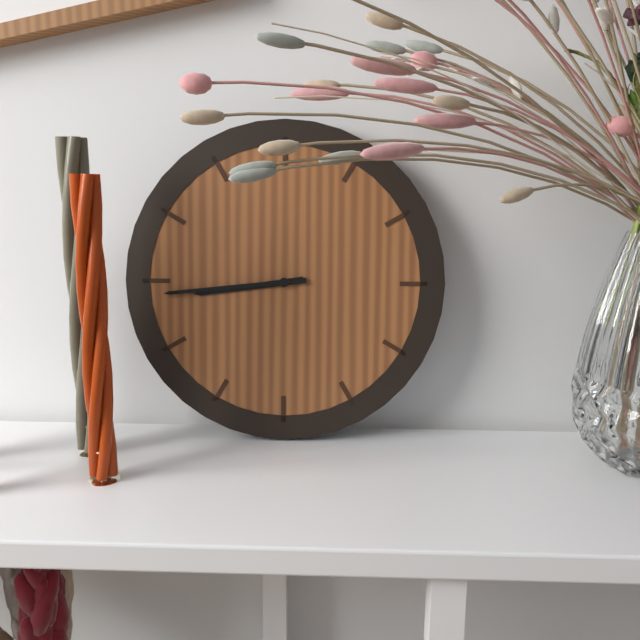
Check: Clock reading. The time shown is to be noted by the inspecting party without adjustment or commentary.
8:44
